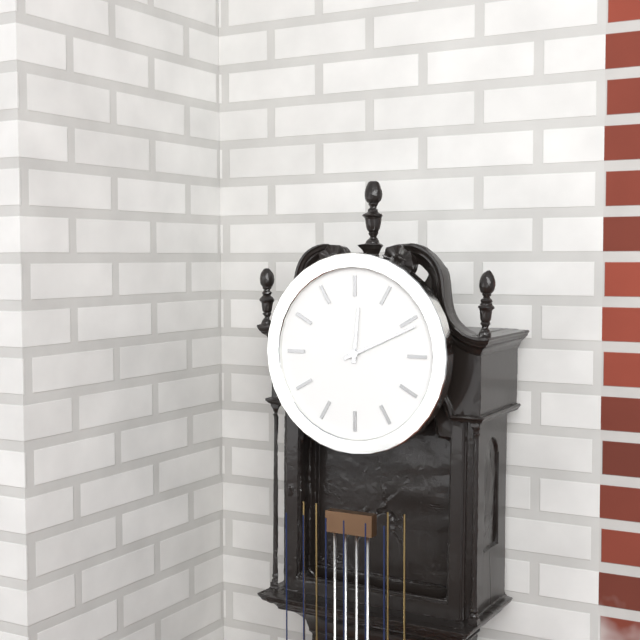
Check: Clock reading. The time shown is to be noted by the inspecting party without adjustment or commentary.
12:11
